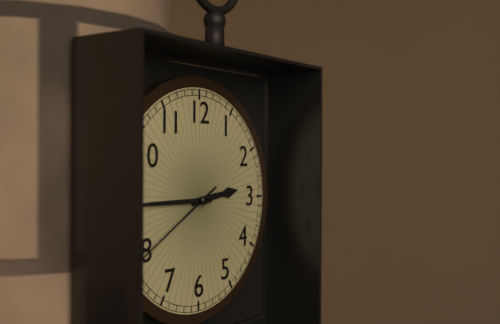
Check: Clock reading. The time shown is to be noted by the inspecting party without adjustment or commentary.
2:45:40
